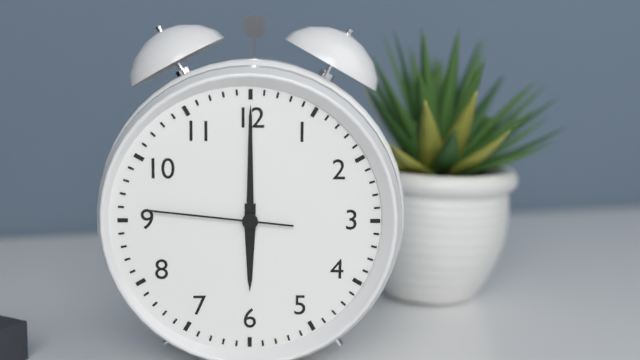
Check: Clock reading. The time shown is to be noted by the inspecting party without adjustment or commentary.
6:00:46
